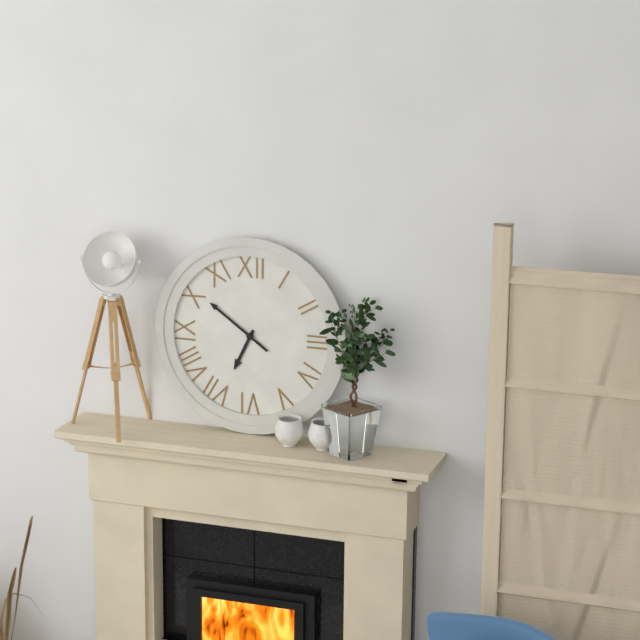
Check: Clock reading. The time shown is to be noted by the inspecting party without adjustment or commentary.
6:51
